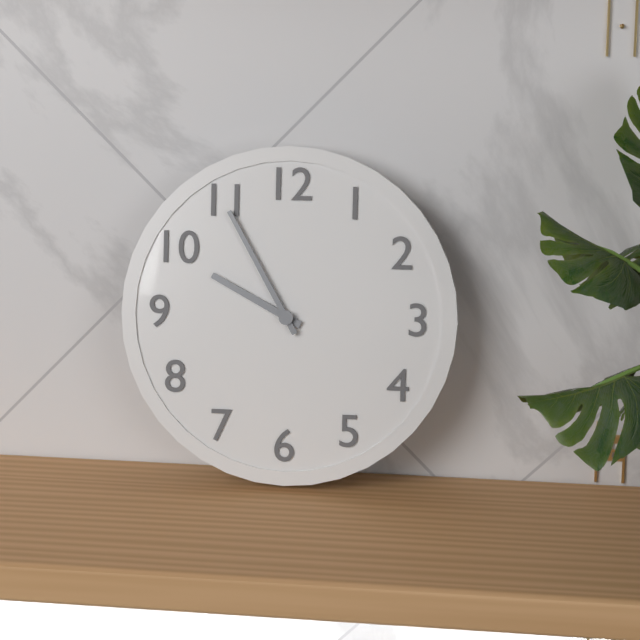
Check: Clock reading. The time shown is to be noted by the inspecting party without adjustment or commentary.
9:55
